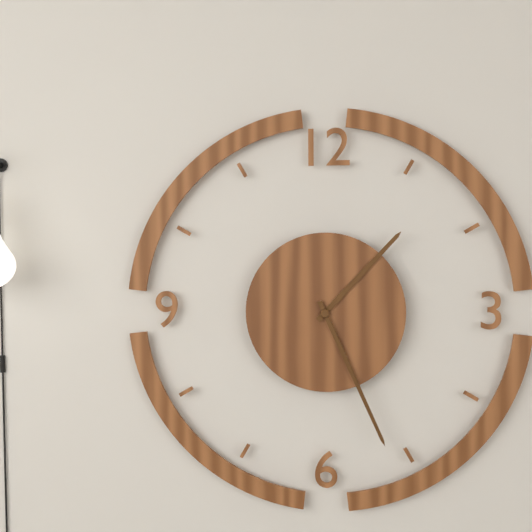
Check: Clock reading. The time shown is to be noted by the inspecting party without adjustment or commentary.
1:26
